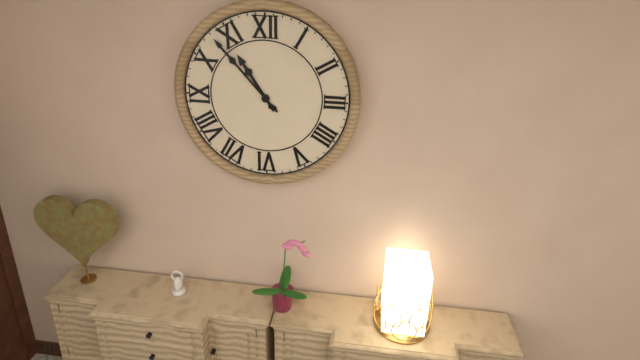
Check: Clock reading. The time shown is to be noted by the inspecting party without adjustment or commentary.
10:53
